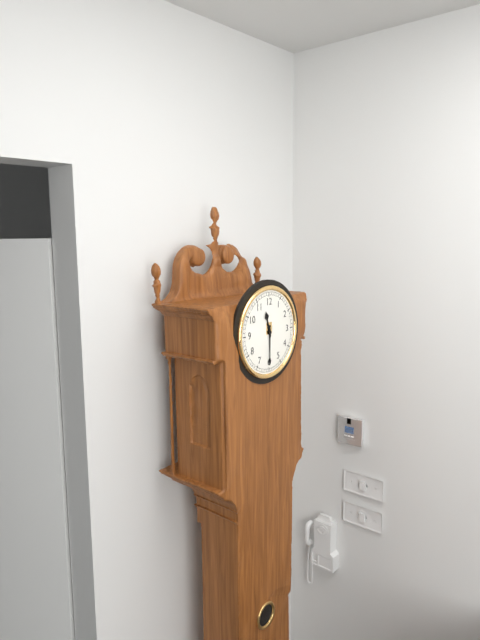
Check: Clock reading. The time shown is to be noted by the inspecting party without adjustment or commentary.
11:30
